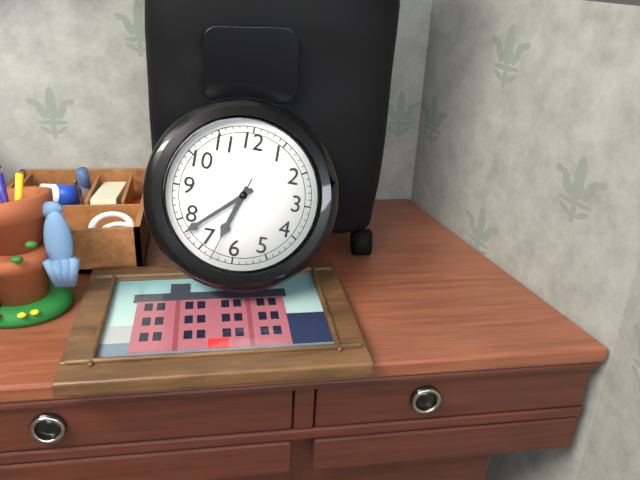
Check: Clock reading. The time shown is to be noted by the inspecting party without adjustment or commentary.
6:38:33
